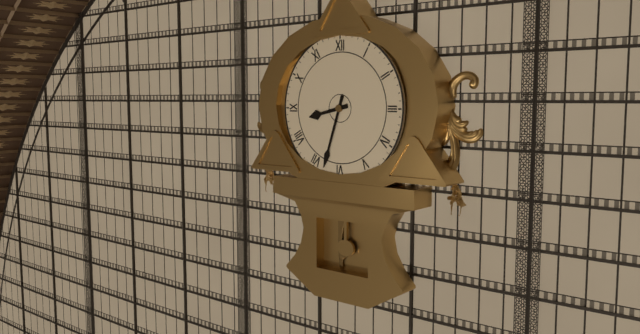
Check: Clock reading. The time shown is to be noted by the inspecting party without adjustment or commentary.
8:33
